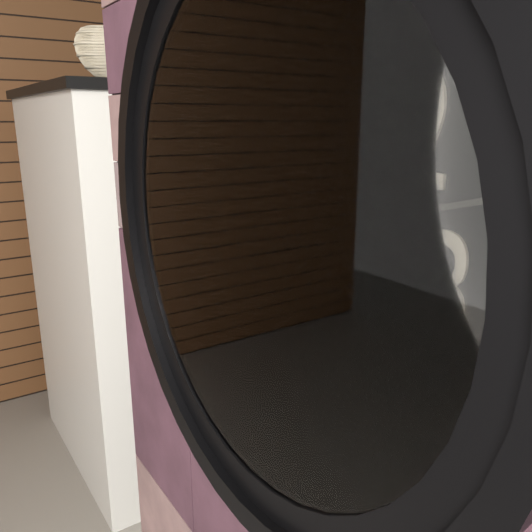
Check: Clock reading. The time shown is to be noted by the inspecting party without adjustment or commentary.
7:32
